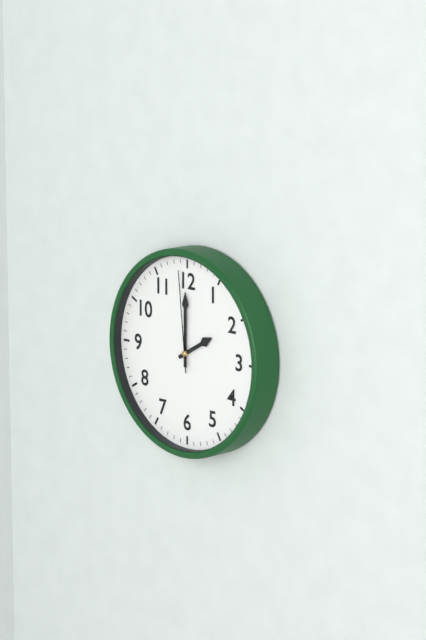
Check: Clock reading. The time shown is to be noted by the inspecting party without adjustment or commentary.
2:00:59
